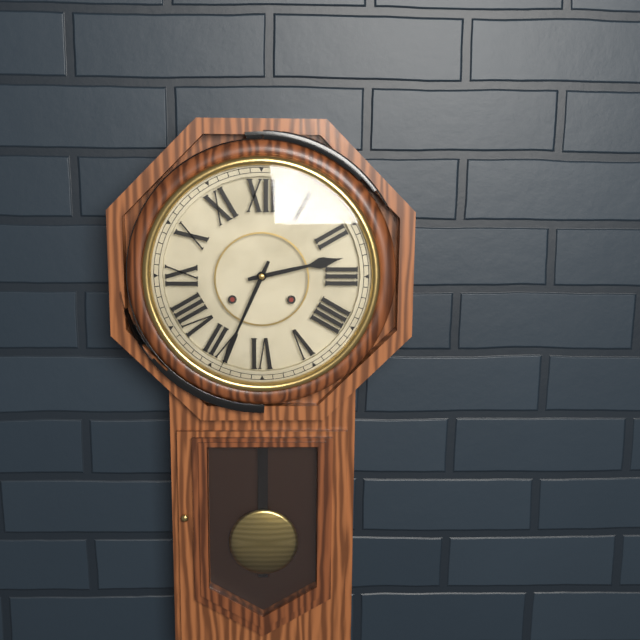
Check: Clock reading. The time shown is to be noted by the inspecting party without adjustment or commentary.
2:34
